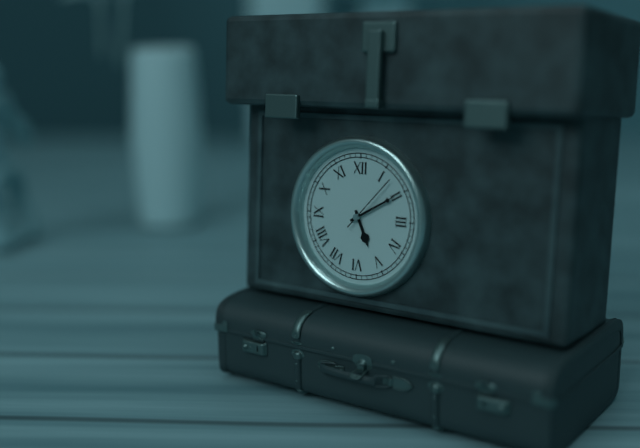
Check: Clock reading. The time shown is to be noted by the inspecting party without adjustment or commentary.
5:10:07
